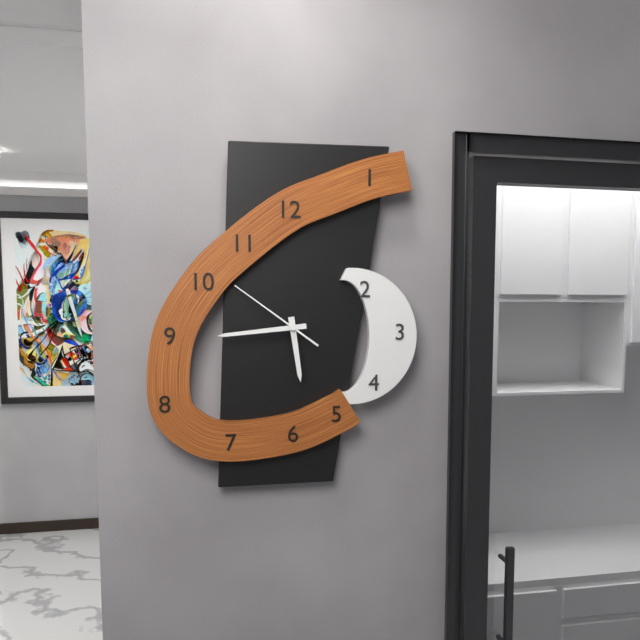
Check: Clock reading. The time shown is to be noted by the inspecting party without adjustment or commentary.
5:44:51
